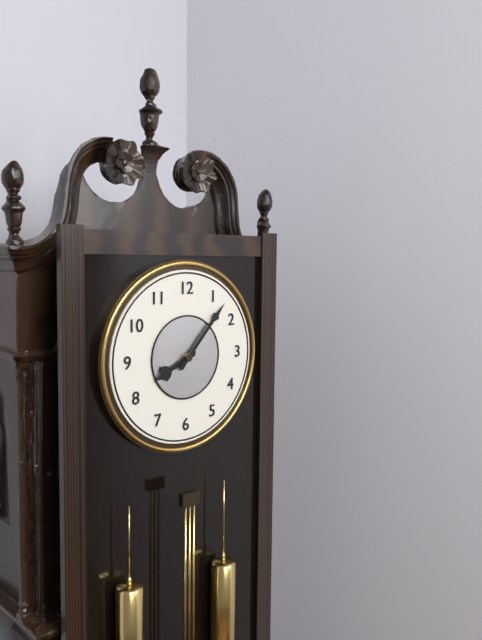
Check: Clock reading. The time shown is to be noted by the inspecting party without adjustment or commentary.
8:07
